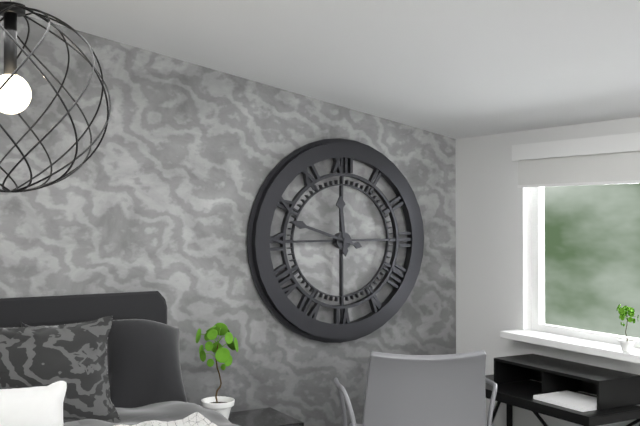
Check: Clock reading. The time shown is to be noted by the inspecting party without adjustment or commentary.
11:48
